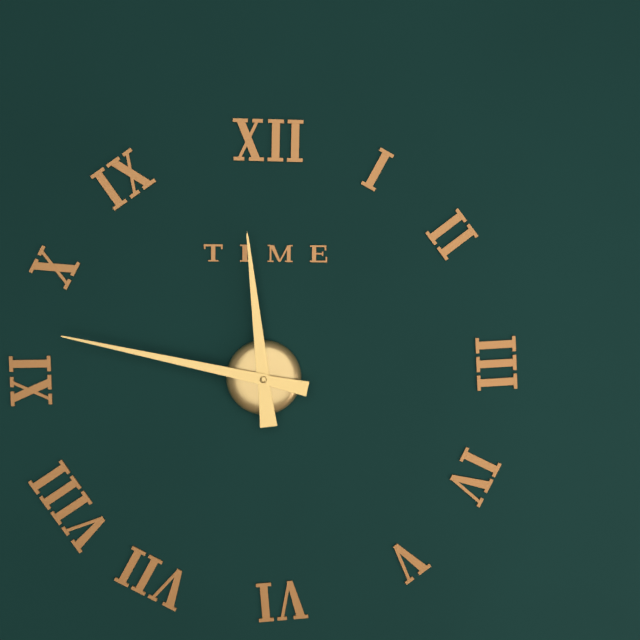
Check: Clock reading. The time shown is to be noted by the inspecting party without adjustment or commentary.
11:47
